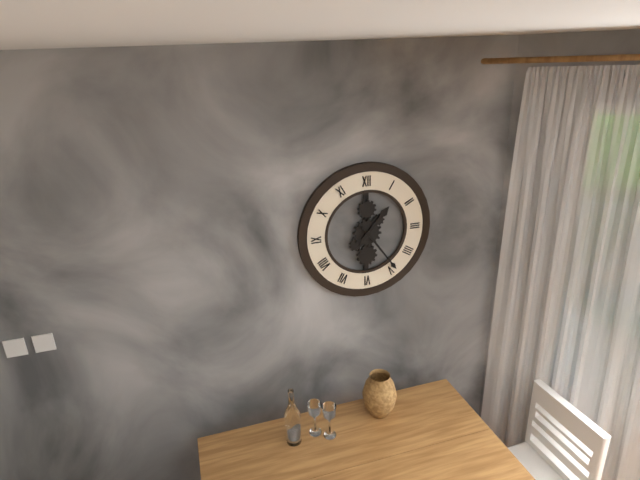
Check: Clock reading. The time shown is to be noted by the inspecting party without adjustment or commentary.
1:24
